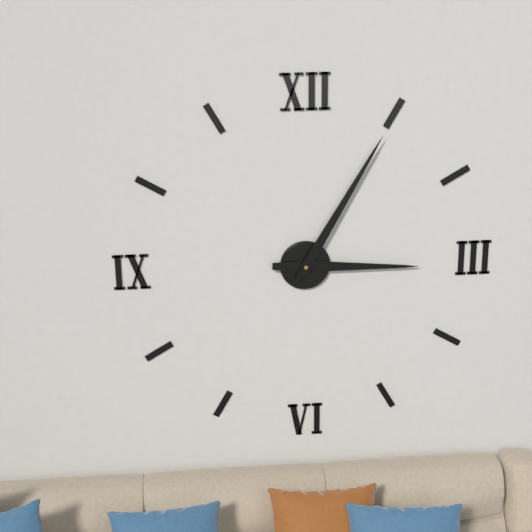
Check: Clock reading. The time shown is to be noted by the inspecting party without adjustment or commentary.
3:05
